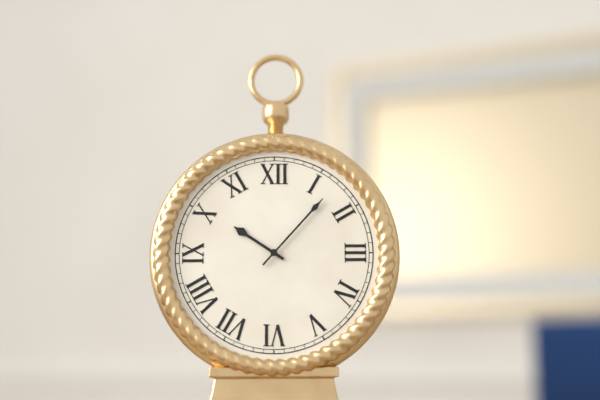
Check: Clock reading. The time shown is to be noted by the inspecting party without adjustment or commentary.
10:07
